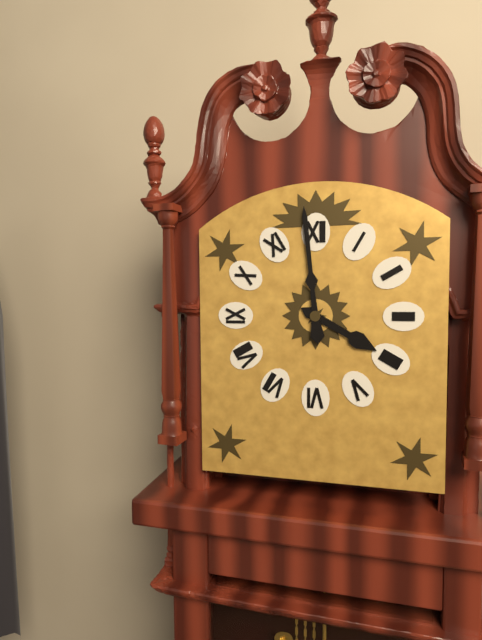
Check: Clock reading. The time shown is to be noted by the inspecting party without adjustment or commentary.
3:59
